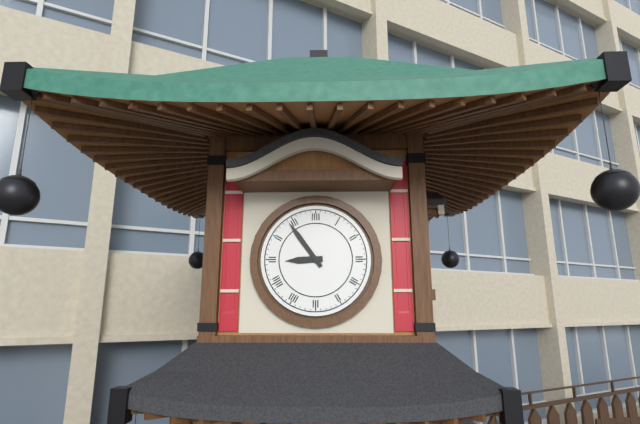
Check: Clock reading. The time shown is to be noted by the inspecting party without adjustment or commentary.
8:54
